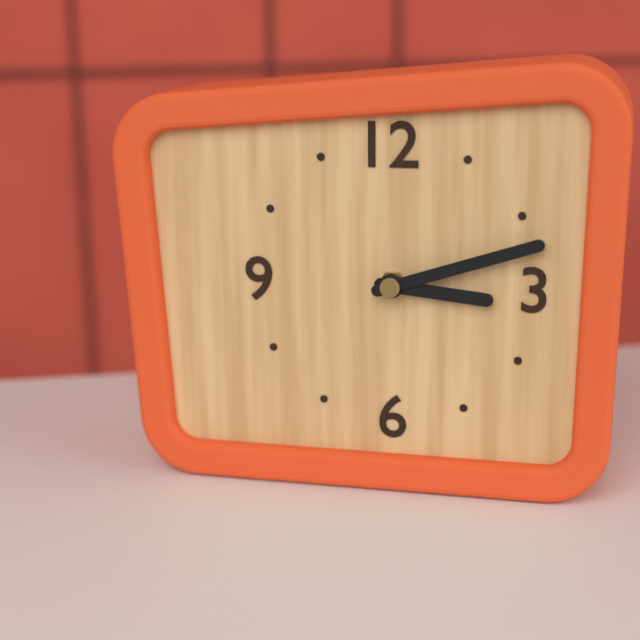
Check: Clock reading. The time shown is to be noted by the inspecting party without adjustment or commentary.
3:12
